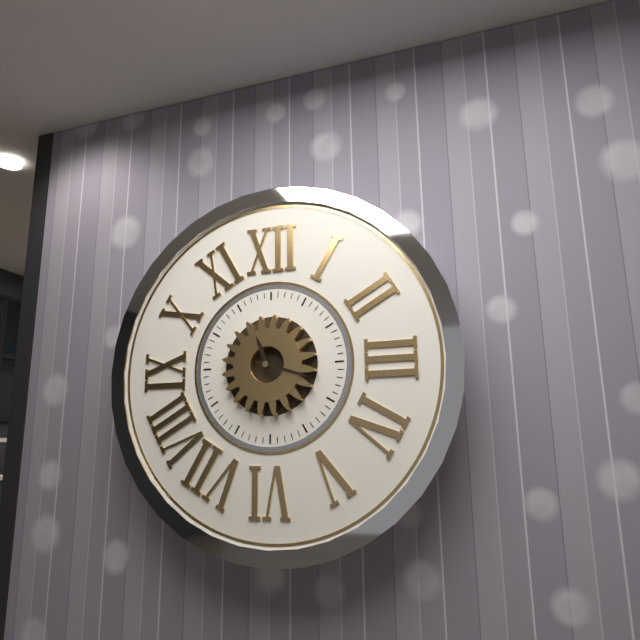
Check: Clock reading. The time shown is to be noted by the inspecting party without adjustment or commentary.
11:18
